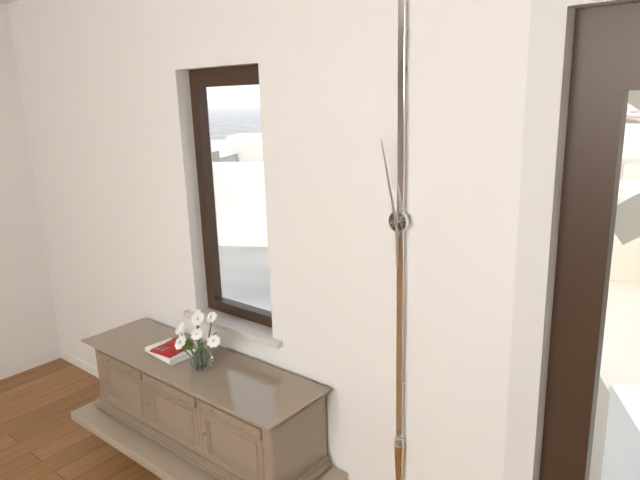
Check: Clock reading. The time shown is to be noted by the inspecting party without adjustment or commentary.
5:58
